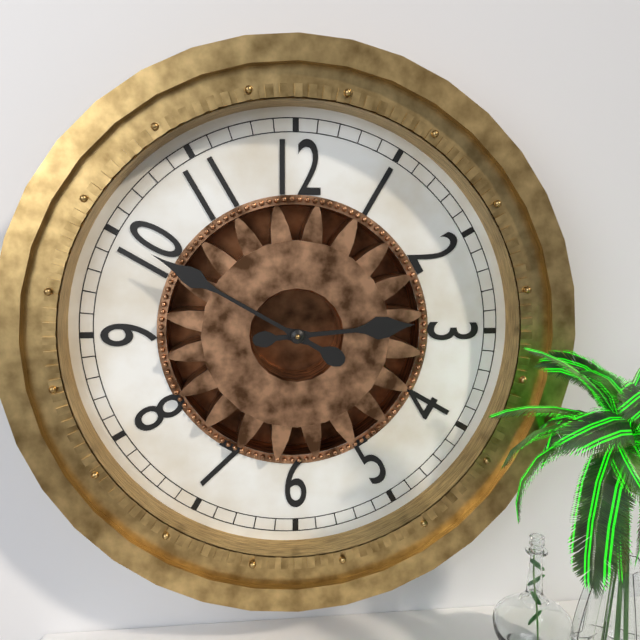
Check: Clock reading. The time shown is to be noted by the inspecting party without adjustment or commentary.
2:50
